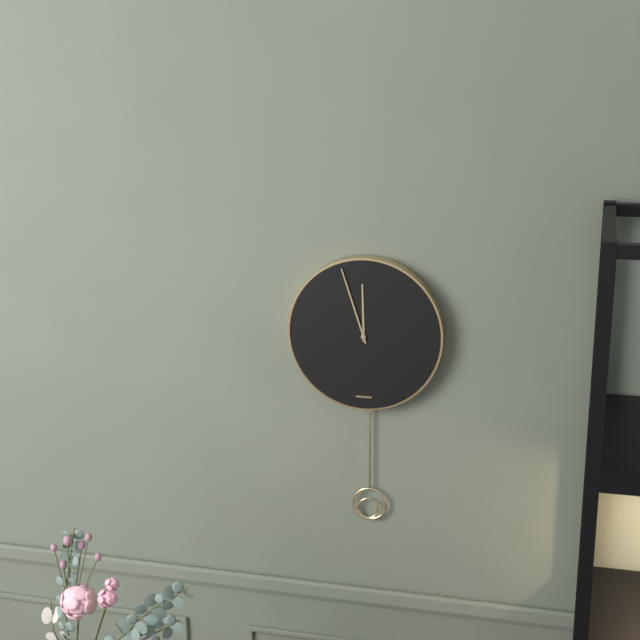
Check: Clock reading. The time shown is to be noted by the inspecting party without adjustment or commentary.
11:57
